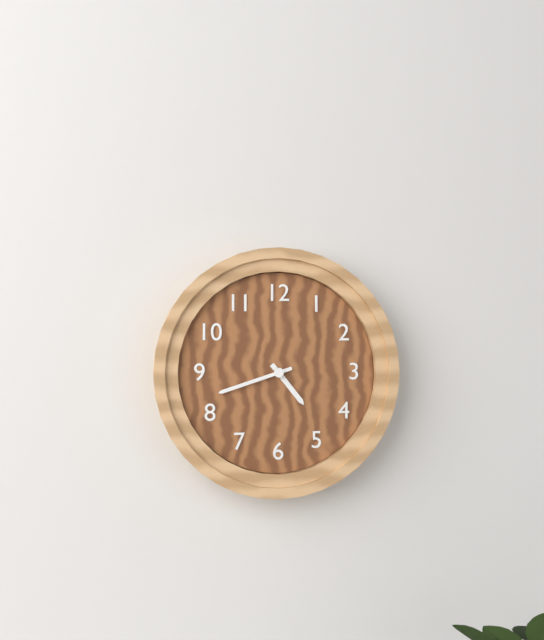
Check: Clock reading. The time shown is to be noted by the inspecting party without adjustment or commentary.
4:42
